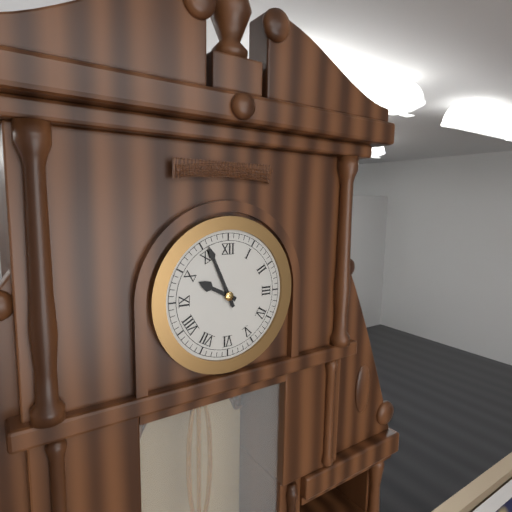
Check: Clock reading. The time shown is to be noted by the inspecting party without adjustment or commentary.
9:56
